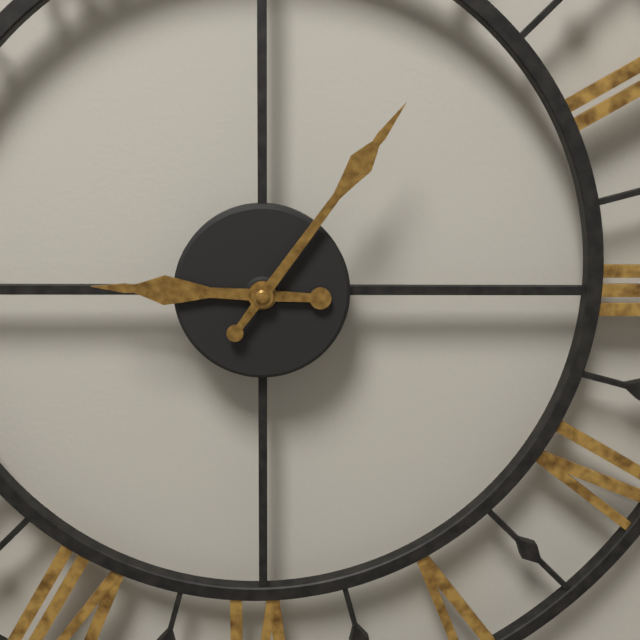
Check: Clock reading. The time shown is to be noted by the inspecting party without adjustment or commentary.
9:06
